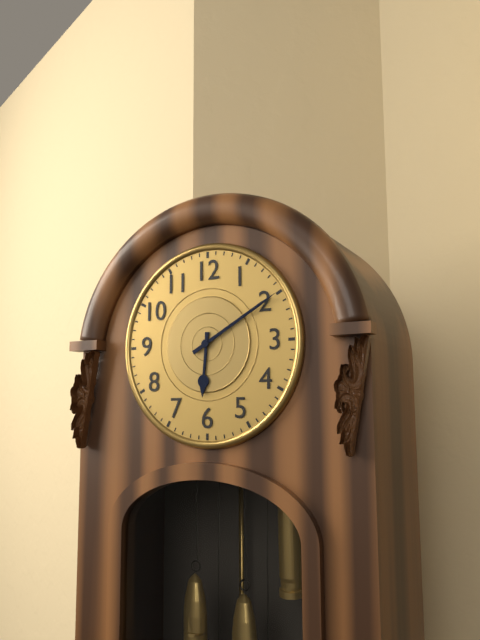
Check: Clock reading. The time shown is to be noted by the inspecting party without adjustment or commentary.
6:10
